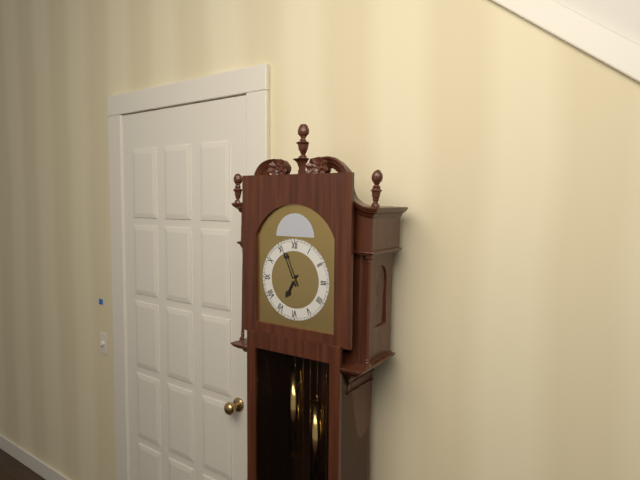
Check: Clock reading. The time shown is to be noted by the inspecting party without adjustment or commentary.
6:56
